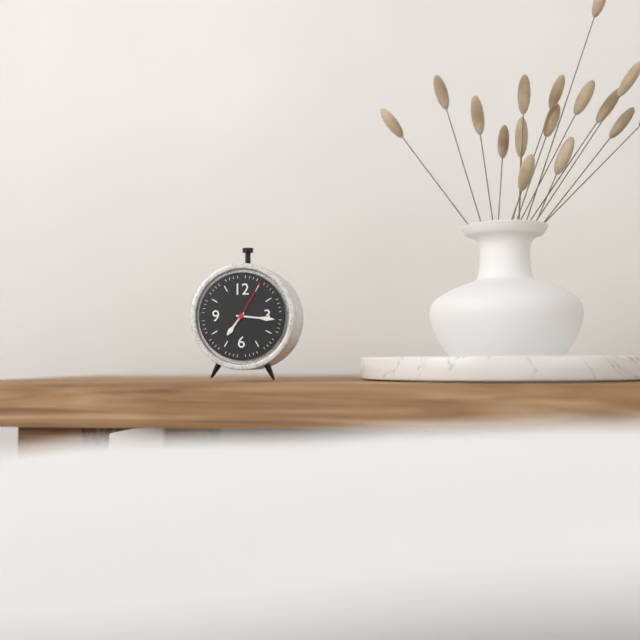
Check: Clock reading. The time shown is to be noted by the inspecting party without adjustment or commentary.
7:16
